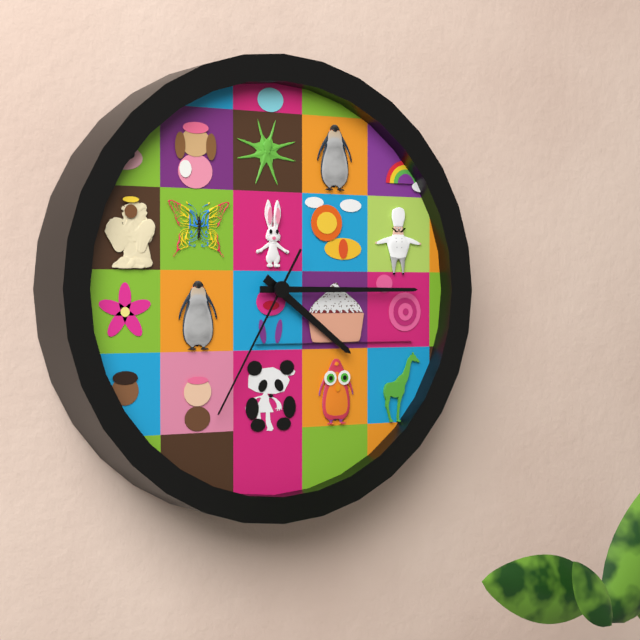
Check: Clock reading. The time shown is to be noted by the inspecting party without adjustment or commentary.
4:15:35
